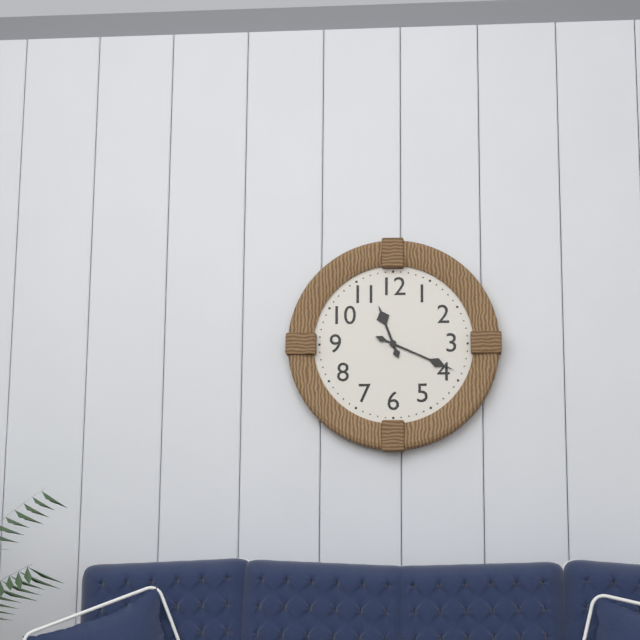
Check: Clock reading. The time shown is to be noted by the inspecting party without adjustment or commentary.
11:19
